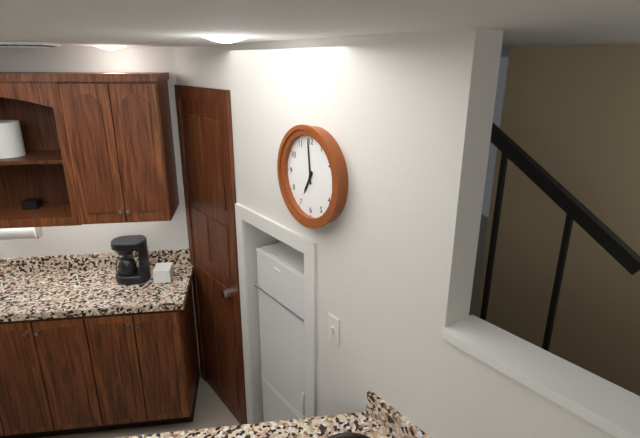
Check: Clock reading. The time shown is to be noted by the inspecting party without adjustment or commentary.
6:59
